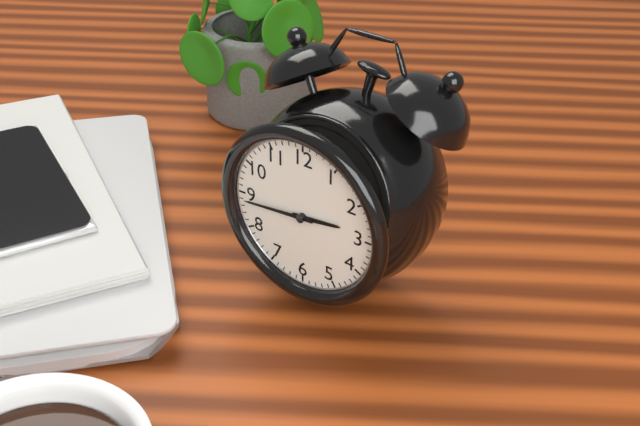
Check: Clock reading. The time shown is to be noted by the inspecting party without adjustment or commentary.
2:44
